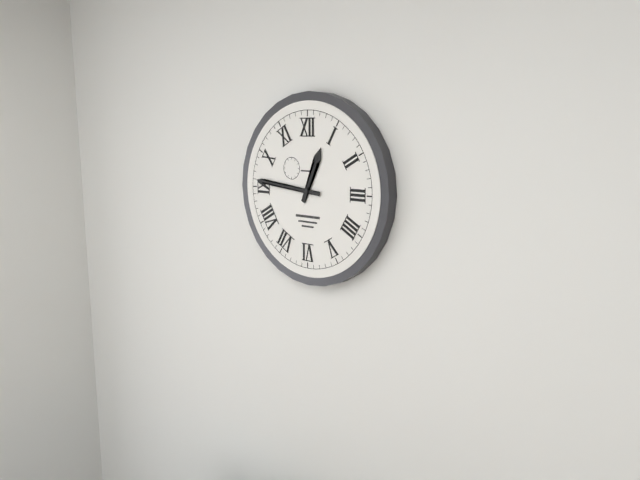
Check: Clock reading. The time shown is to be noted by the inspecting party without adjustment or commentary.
12:46
